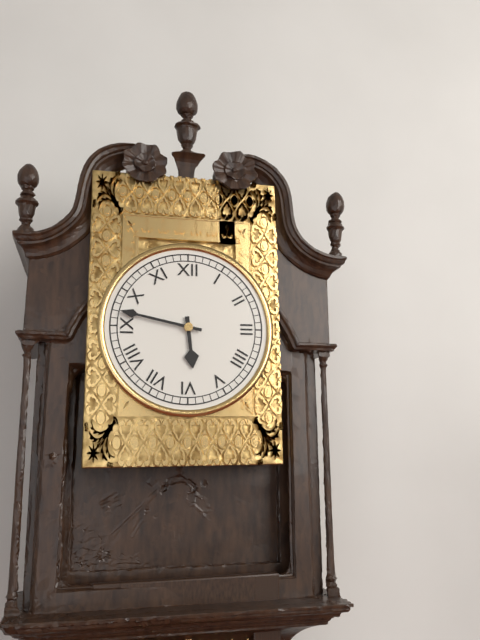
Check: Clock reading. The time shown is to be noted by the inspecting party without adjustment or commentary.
5:47
